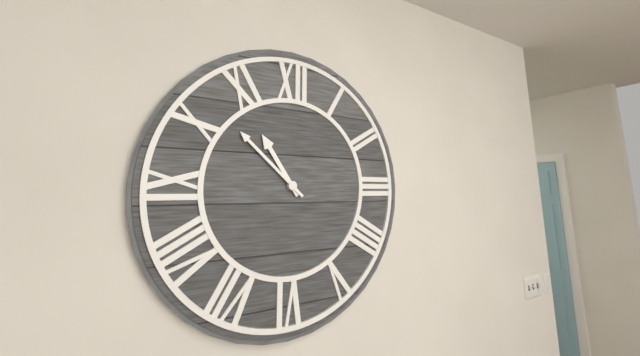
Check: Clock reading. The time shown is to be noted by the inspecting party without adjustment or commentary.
10:52
